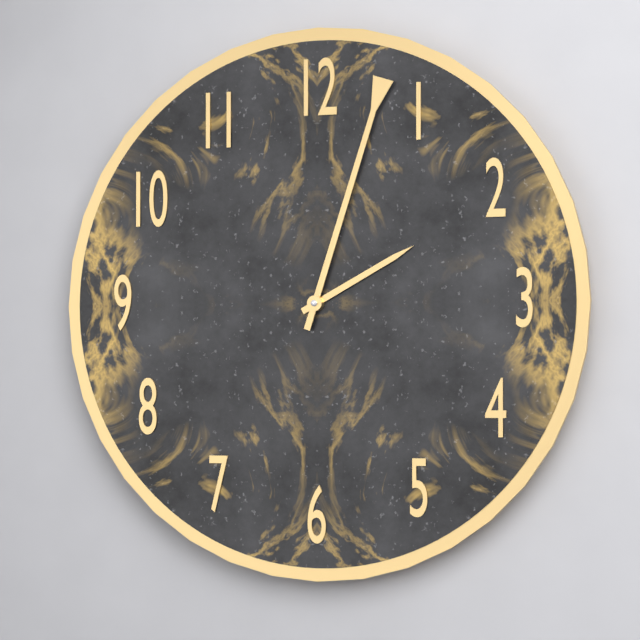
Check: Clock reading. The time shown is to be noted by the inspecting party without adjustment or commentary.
2:03:03
